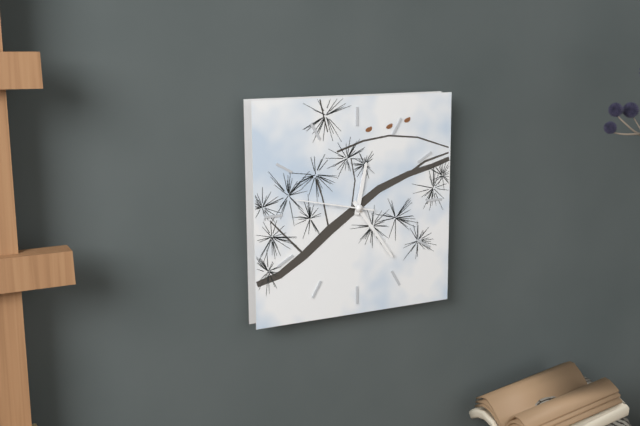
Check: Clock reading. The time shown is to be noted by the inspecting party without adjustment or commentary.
12:24:47
